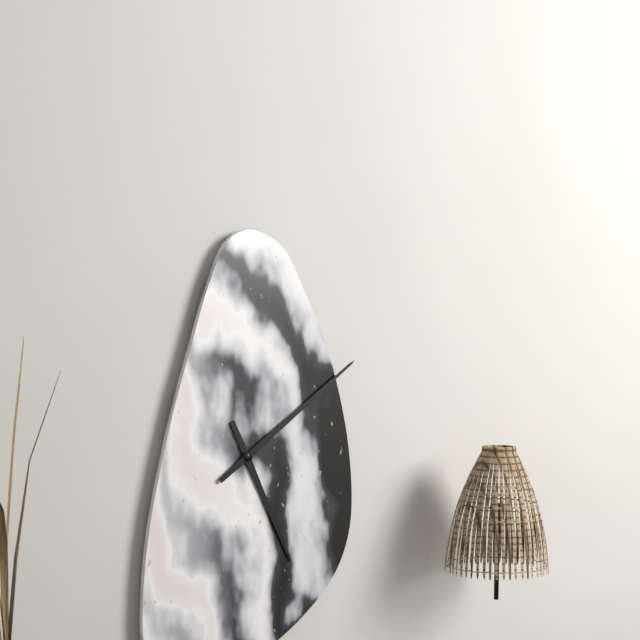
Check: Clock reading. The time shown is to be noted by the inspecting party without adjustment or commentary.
5:09
